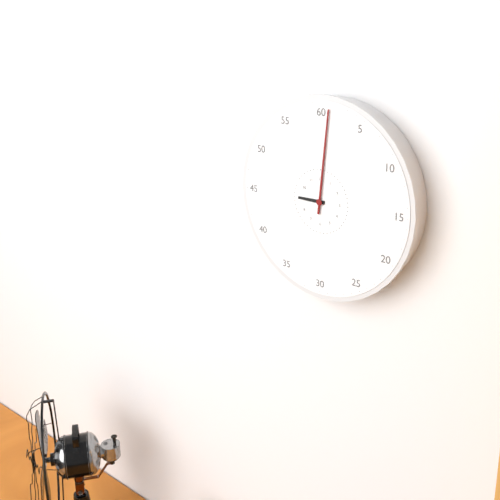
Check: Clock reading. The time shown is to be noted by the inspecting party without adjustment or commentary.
9:01
